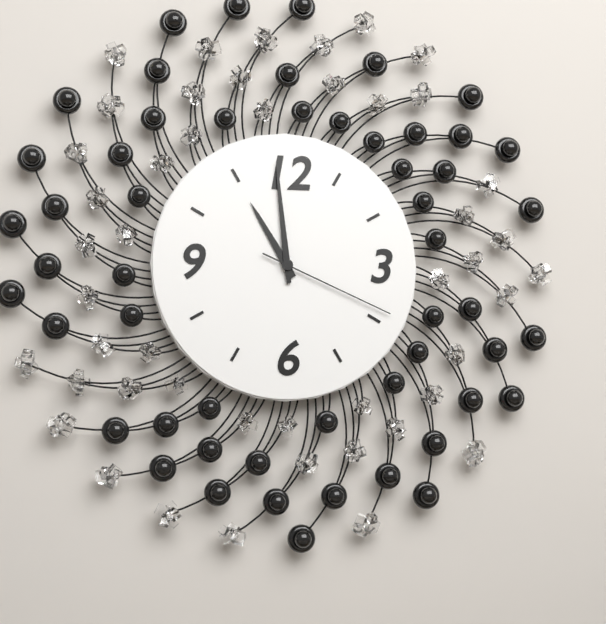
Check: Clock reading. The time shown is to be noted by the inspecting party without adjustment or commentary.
10:59:19
